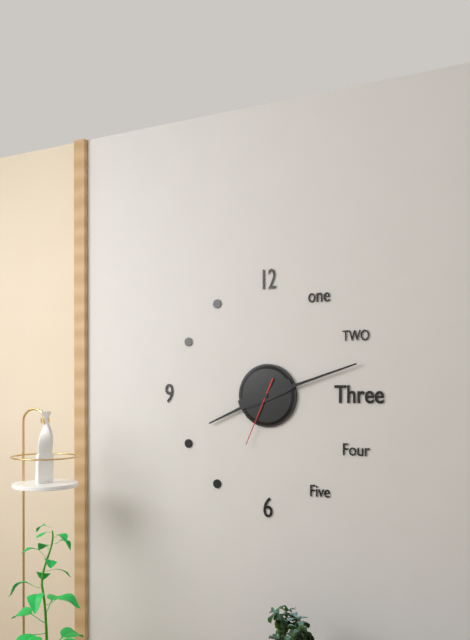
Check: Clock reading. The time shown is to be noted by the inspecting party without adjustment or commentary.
8:12:34
